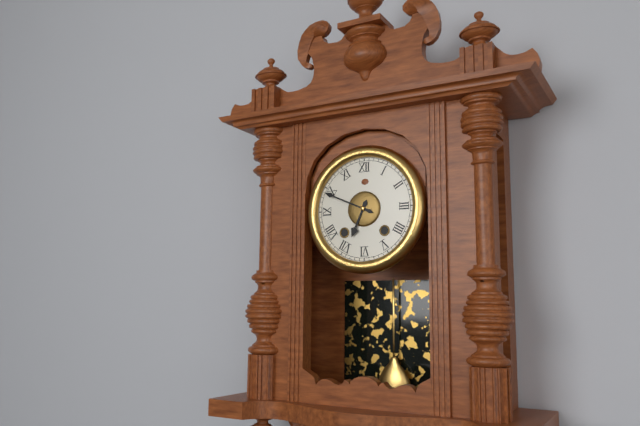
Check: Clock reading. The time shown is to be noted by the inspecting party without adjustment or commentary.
6:49
